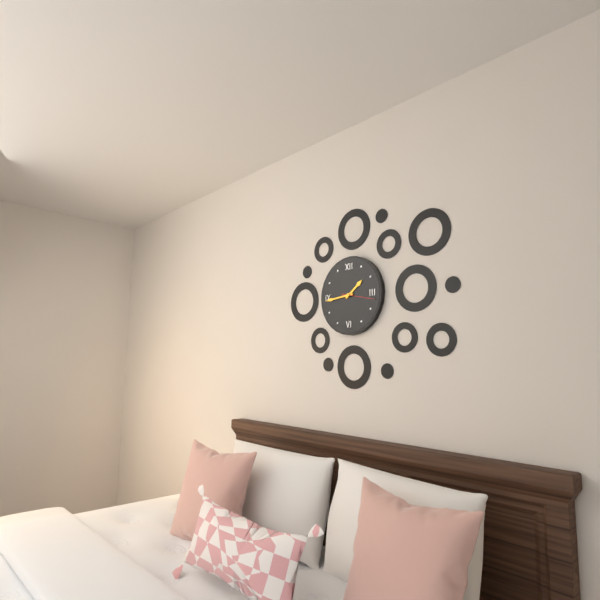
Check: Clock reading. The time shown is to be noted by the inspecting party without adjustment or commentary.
1:44
